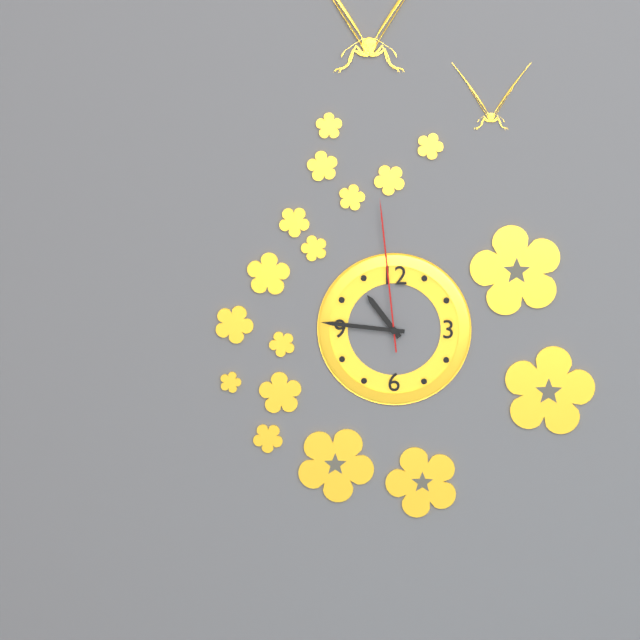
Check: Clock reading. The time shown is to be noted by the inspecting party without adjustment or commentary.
10:46:59
